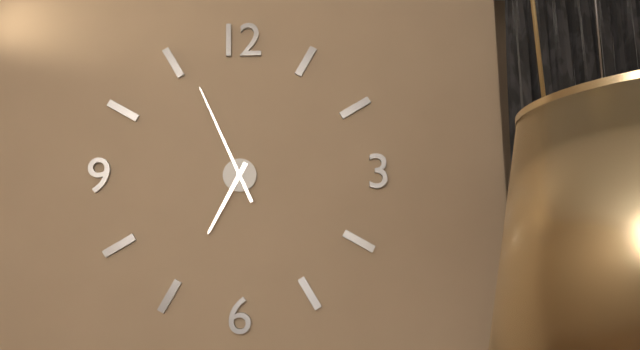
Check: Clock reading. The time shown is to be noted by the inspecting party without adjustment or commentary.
6:56
